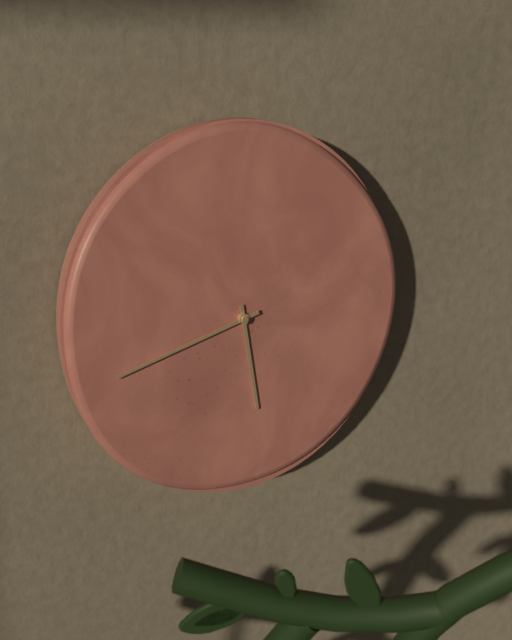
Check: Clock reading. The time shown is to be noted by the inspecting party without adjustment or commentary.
5:42
